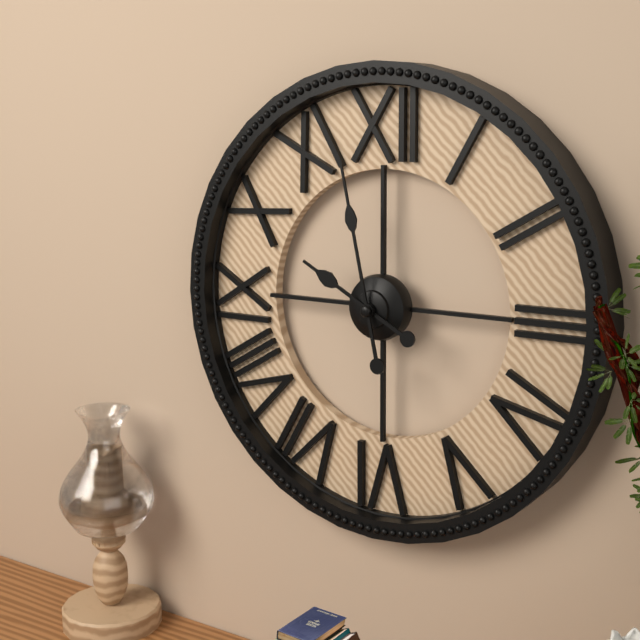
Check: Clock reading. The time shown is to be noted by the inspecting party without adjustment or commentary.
9:58
